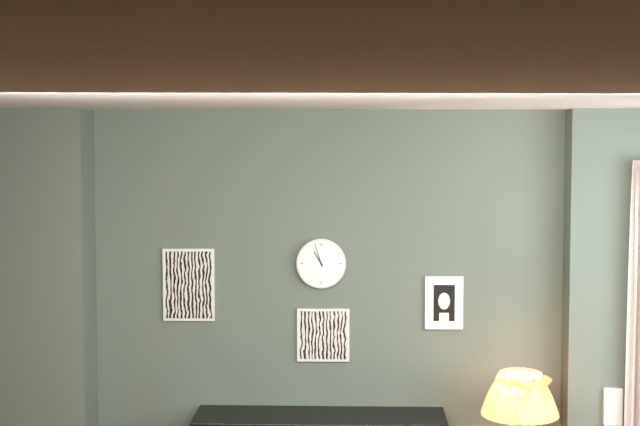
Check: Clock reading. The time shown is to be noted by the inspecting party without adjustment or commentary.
10:57
